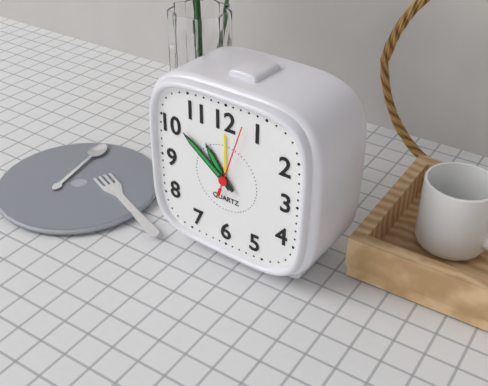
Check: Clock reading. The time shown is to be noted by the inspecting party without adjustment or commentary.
10:51:03
